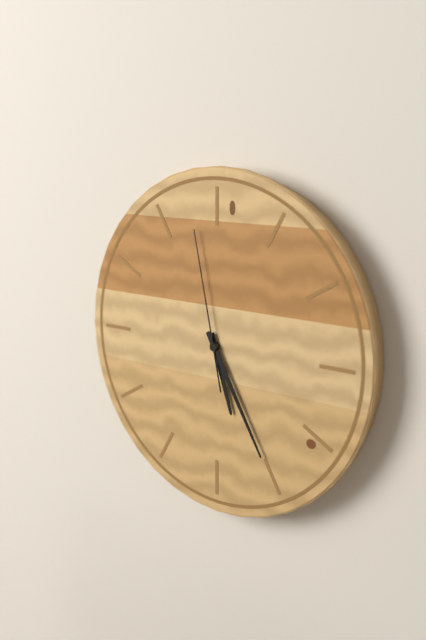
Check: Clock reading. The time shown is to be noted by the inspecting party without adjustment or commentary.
5:25:58
